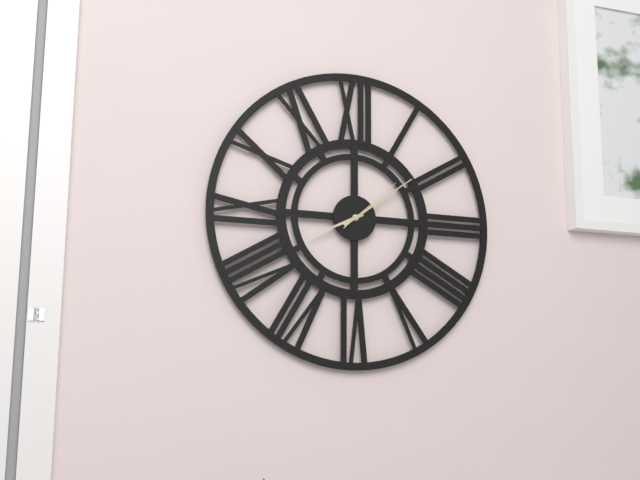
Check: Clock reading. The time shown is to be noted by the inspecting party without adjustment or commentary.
8:09:08
